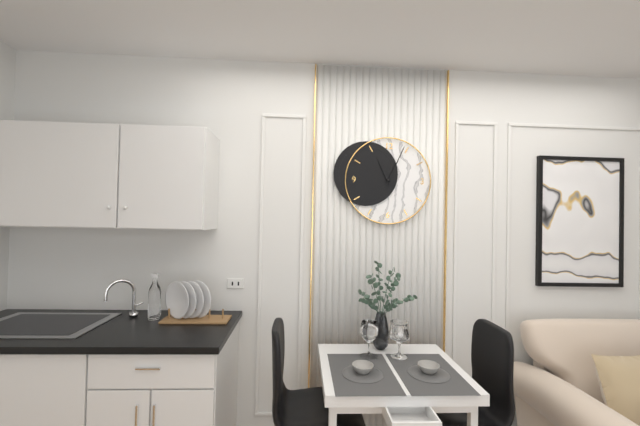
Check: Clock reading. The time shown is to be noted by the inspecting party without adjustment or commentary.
11:04
